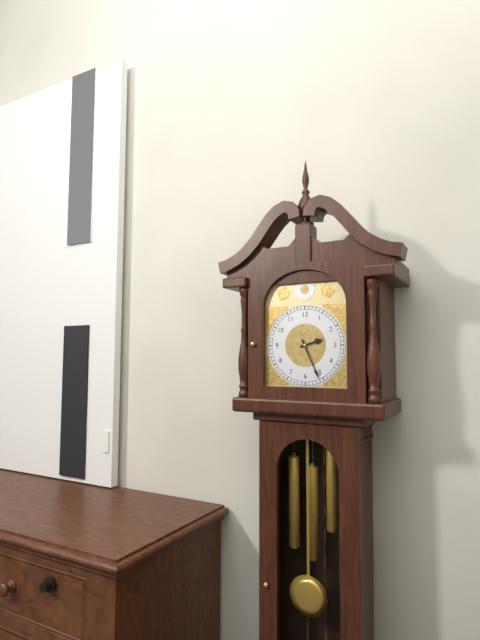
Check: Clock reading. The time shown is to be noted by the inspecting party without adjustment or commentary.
2:26
